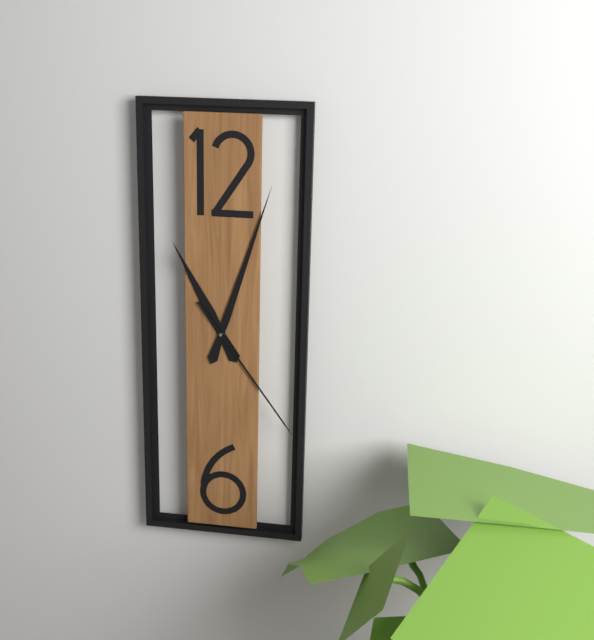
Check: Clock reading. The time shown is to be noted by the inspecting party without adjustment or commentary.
11:03:24
